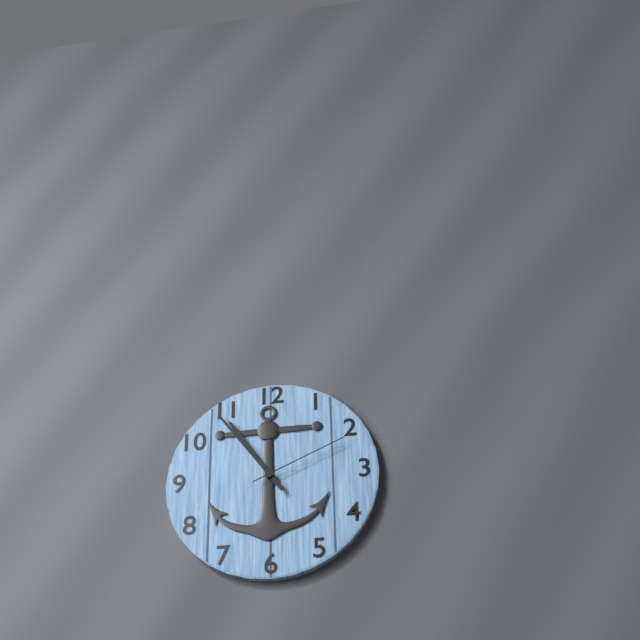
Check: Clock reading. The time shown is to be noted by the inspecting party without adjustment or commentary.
10:54:11
